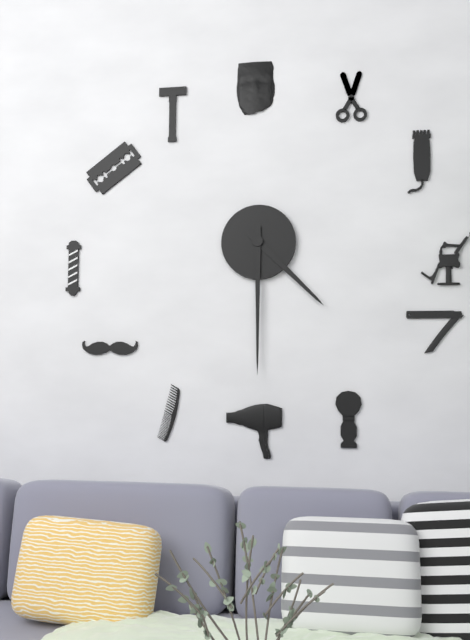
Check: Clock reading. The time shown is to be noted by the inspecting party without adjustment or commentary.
4:30
